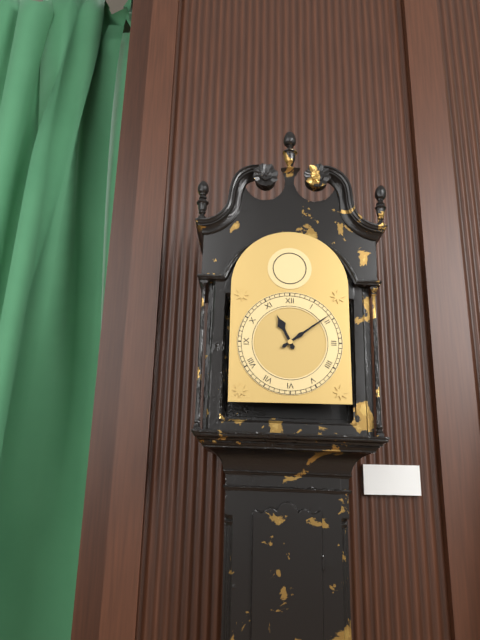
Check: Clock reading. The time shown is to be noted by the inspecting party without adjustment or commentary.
11:09
